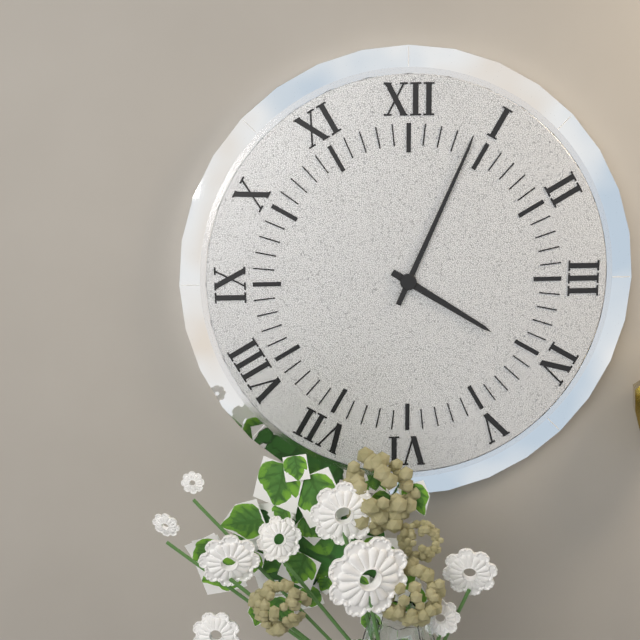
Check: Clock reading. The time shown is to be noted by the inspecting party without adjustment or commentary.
4:04
